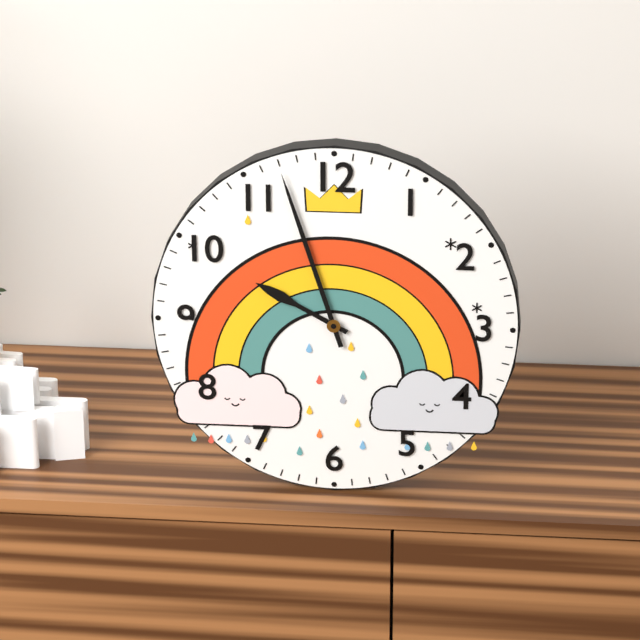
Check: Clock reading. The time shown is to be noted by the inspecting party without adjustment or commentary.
9:57
